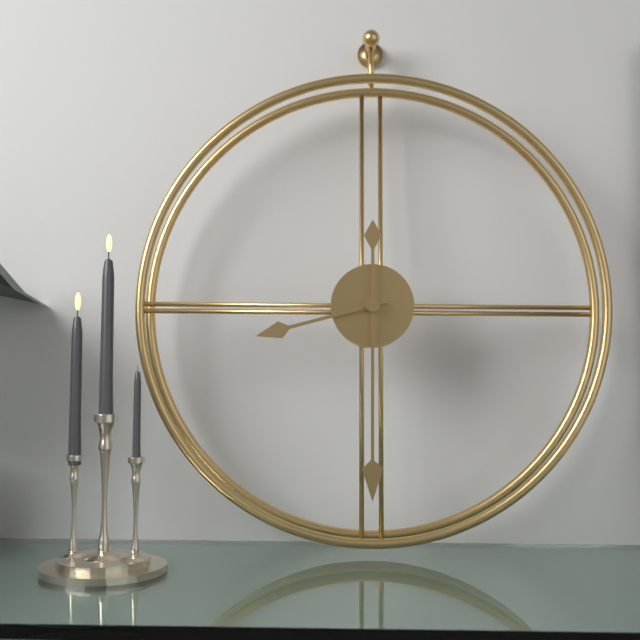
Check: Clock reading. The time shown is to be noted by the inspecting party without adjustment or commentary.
8:30
